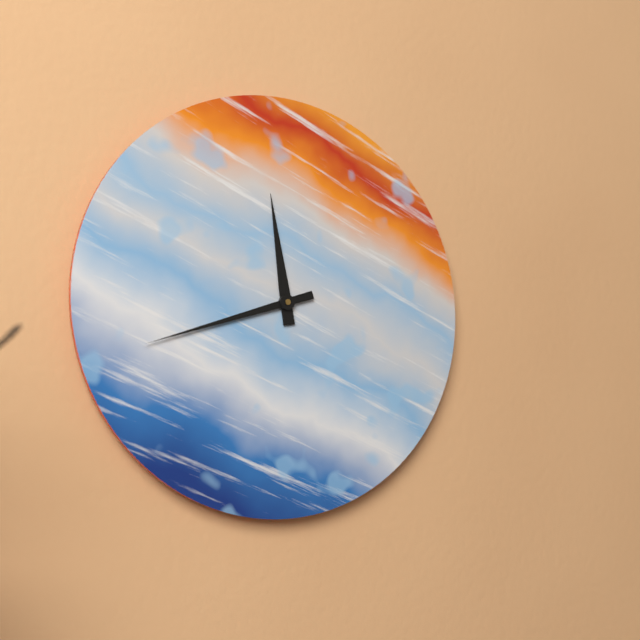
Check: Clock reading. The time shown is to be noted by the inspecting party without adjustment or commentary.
11:42
